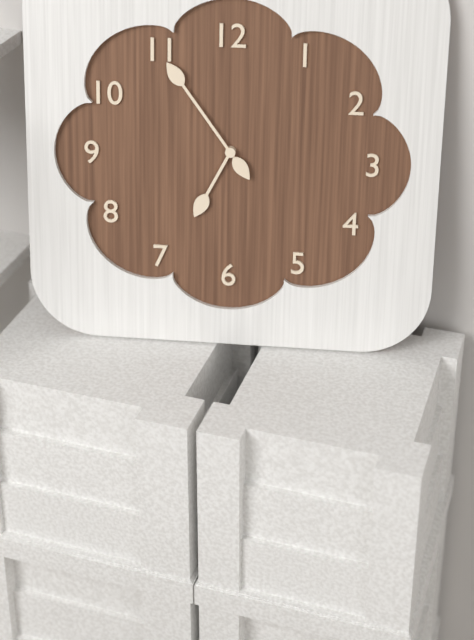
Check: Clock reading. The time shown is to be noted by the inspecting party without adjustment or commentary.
6:54
